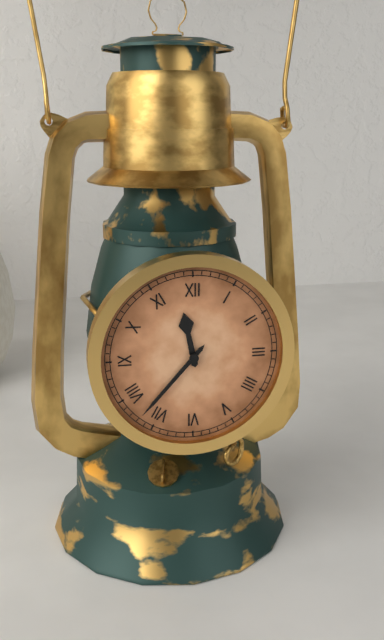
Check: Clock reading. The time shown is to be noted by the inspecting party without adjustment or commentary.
11:37
